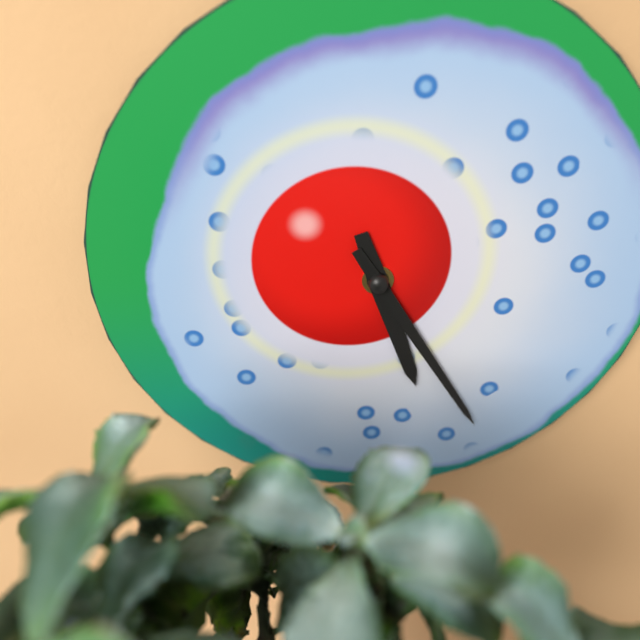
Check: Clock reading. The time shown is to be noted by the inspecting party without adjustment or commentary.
5:25
